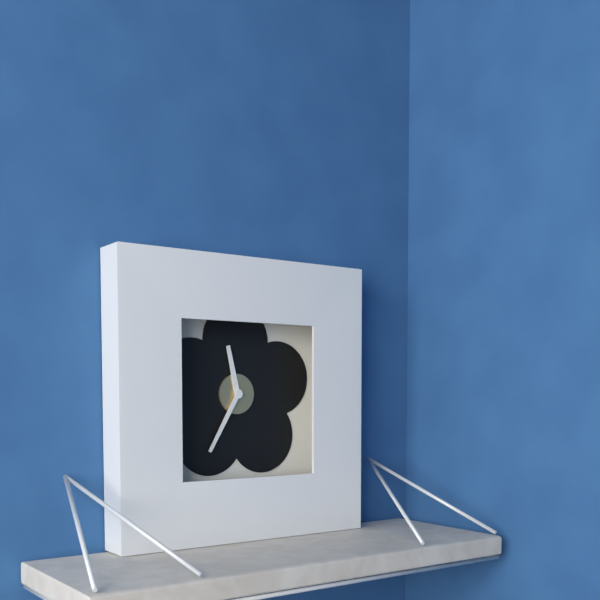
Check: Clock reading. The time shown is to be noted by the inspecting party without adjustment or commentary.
11:35
